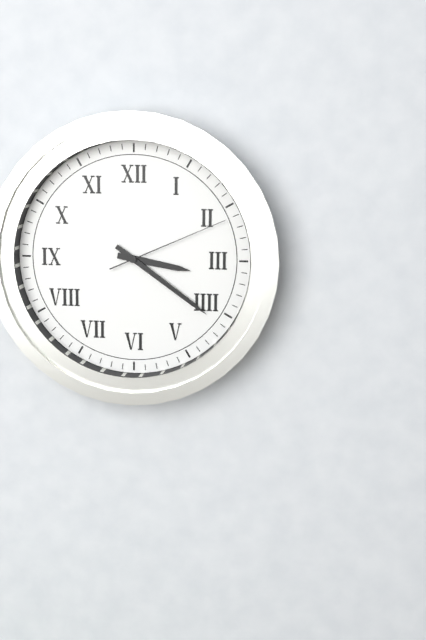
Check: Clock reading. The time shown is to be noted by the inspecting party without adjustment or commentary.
3:21:11
